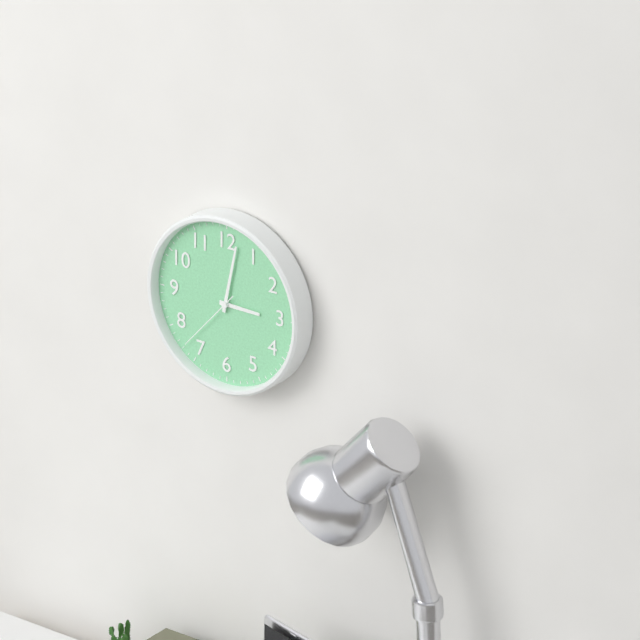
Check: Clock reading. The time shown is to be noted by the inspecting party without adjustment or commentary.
3:02:37
